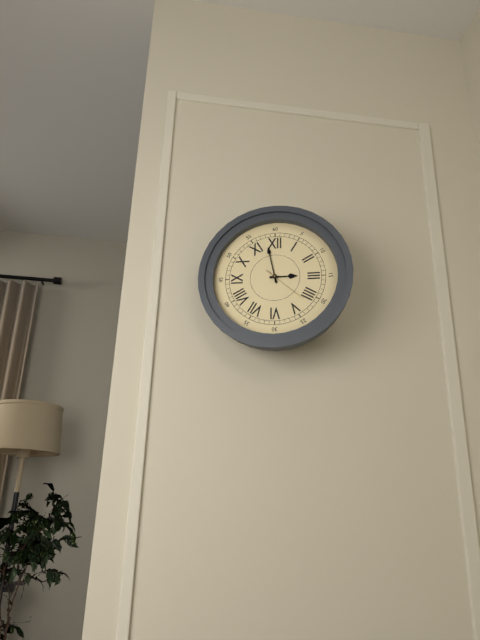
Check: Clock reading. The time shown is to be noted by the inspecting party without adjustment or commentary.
2:58
